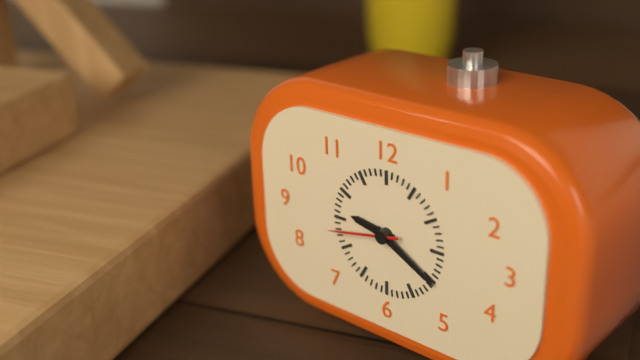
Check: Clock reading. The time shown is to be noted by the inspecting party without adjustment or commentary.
9:20:43
